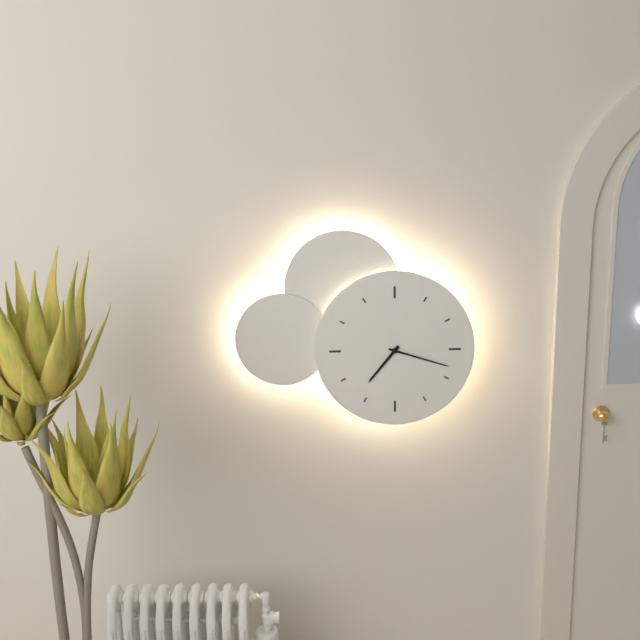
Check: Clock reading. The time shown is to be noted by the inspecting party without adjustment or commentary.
7:18
